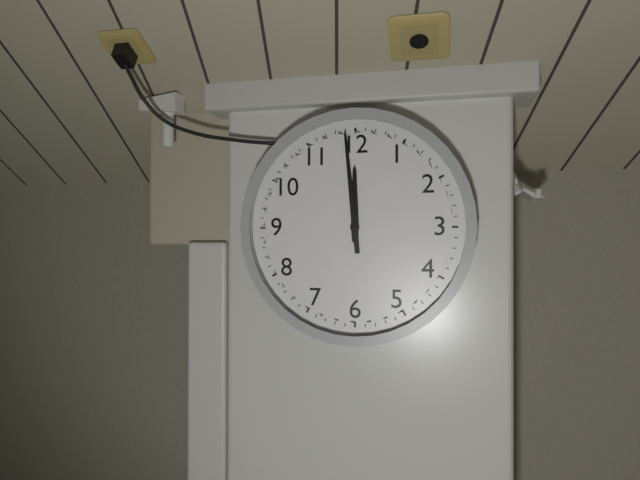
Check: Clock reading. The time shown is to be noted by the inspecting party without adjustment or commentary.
11:59
